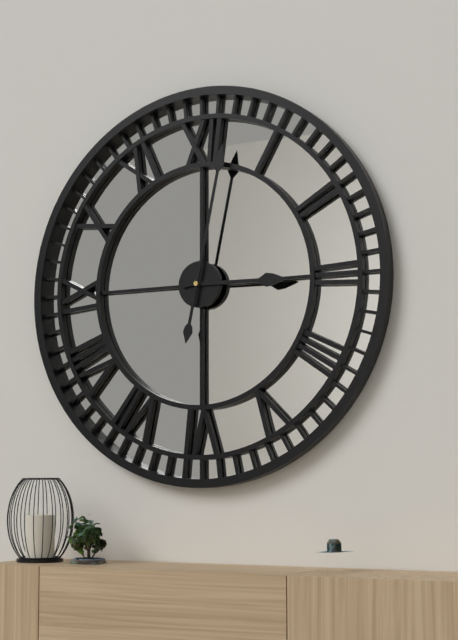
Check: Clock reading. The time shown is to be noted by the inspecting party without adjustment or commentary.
3:02
